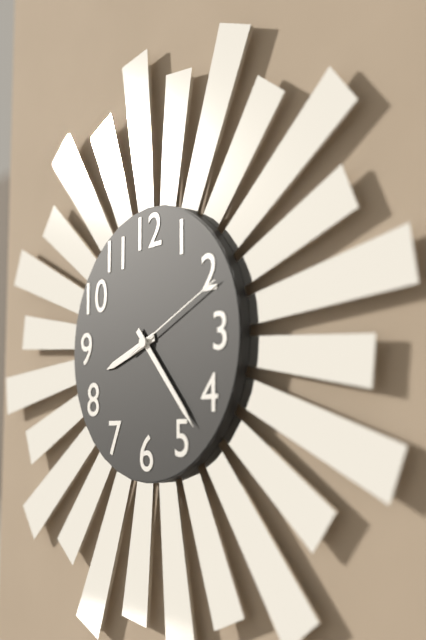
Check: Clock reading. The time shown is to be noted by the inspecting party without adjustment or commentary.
8:23:11
